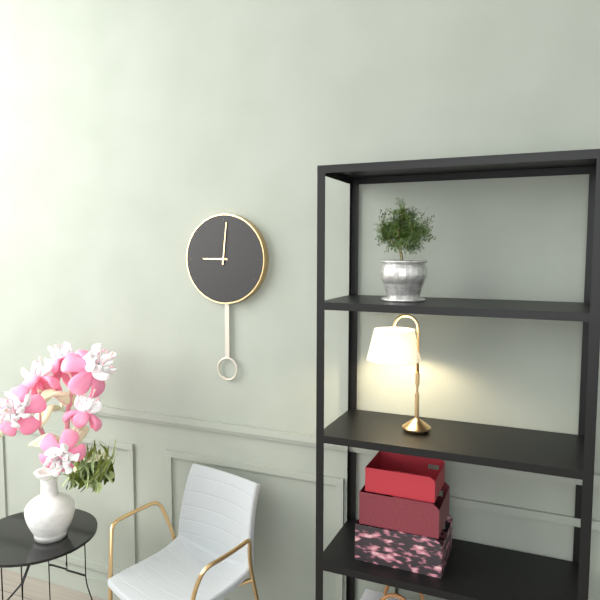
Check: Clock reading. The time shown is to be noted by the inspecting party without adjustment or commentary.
9:01
